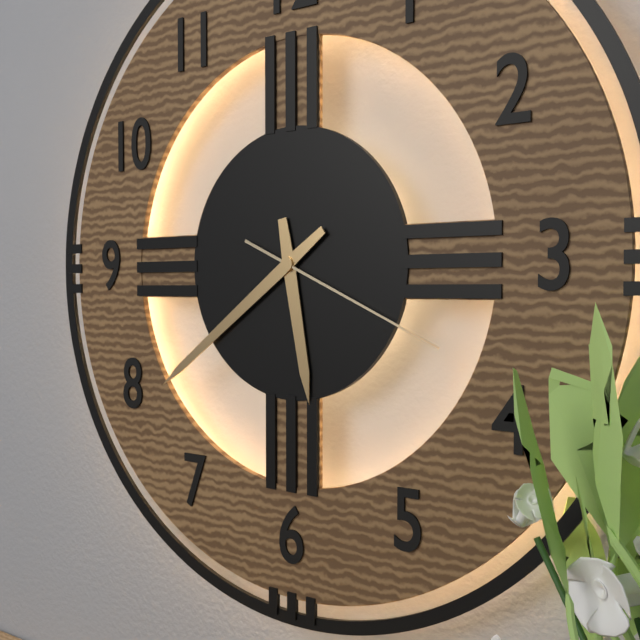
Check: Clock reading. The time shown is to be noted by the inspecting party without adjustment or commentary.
5:39:19
